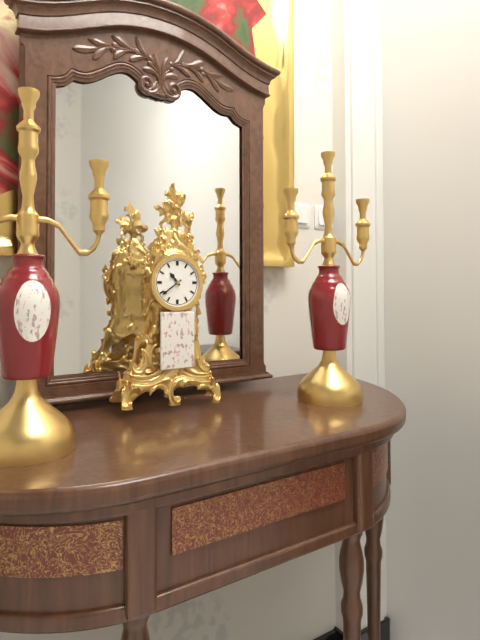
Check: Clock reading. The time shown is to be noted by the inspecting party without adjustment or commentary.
10:39
